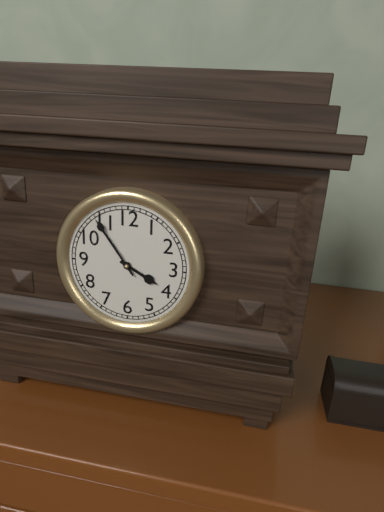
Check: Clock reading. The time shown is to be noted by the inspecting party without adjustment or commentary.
3:54
